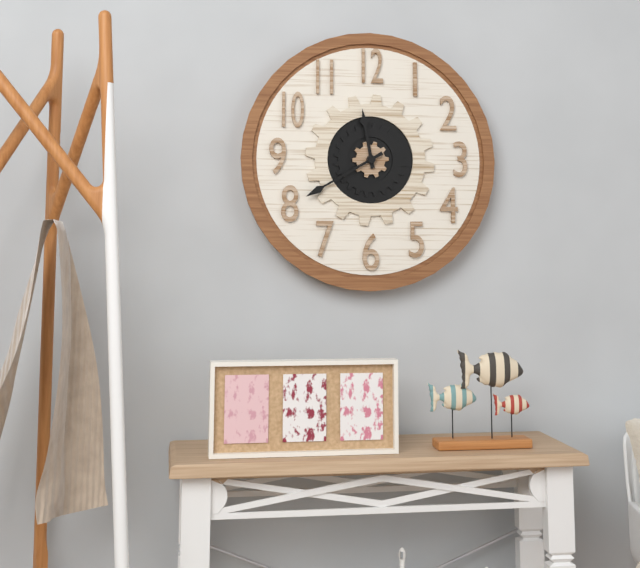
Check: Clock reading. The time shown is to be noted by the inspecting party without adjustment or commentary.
11:40
